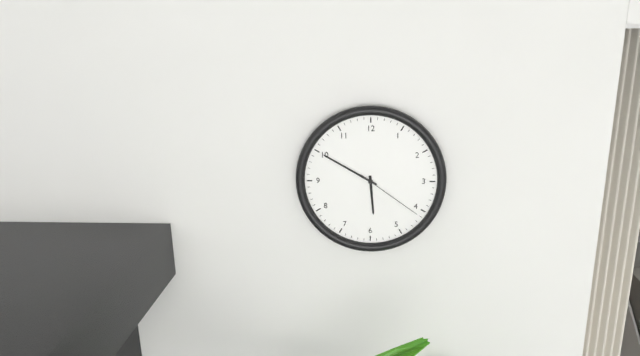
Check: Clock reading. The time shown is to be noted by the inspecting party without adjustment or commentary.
5:50:21
